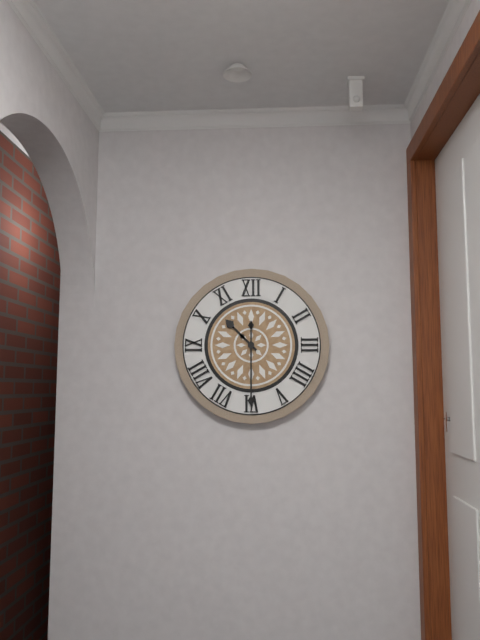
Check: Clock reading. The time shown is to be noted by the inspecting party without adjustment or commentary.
10:30
